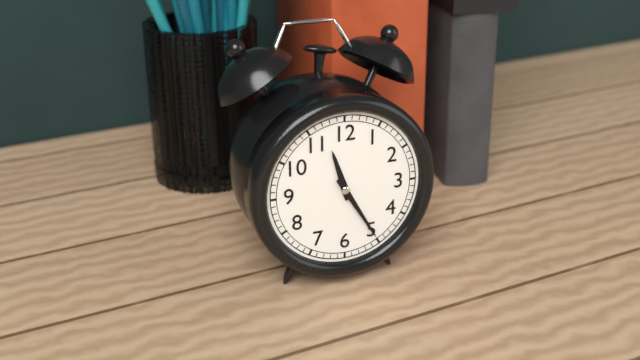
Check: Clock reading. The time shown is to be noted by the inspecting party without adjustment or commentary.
11:25
